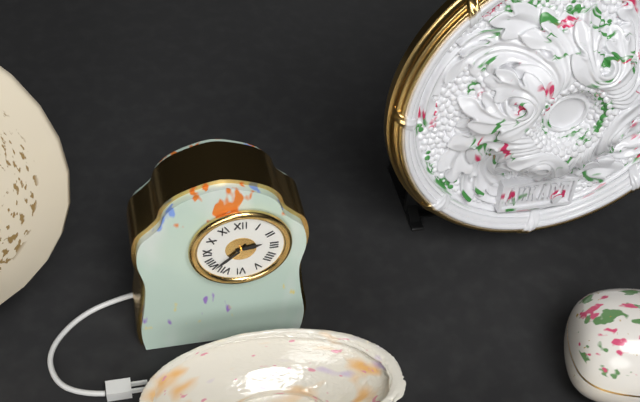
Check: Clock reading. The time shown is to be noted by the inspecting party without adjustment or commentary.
2:38
